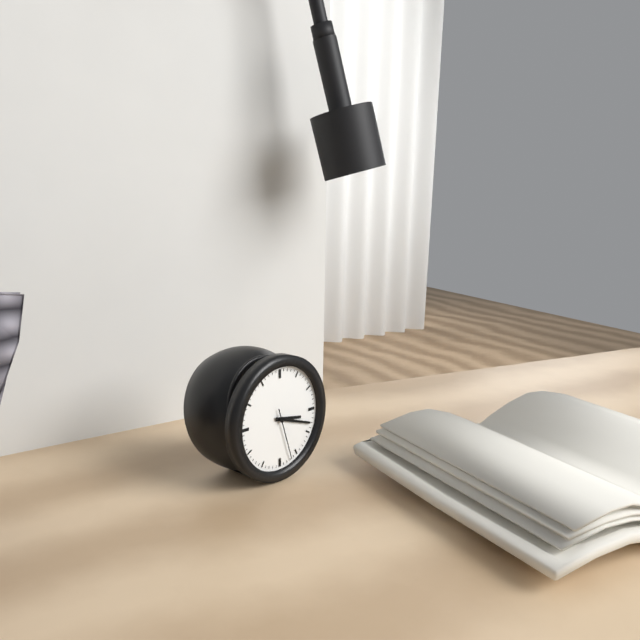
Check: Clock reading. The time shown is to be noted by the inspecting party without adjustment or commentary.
3:18:27
